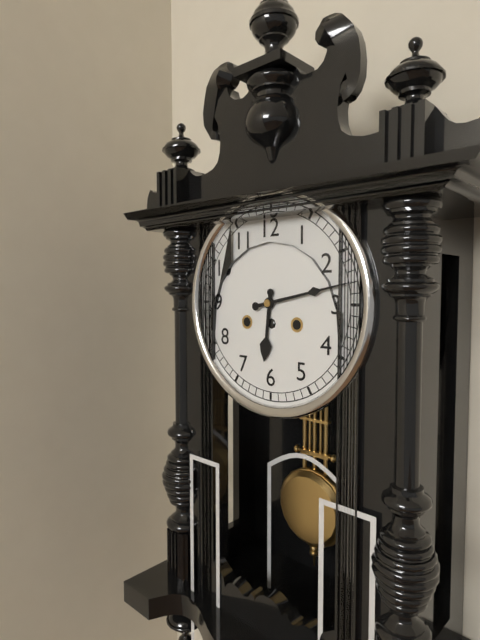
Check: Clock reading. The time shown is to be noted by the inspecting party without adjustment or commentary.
6:13
